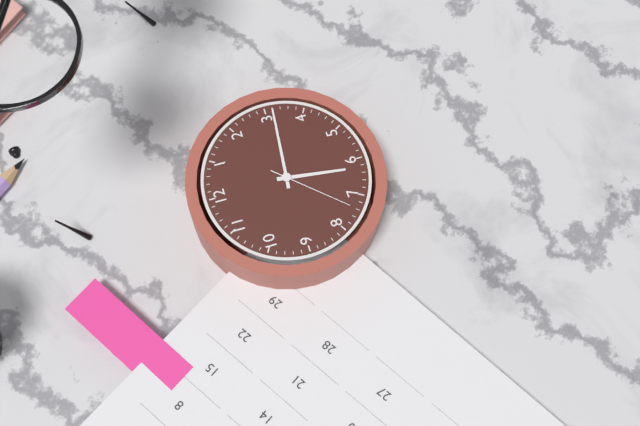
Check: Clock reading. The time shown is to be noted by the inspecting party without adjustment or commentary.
6:16:37
